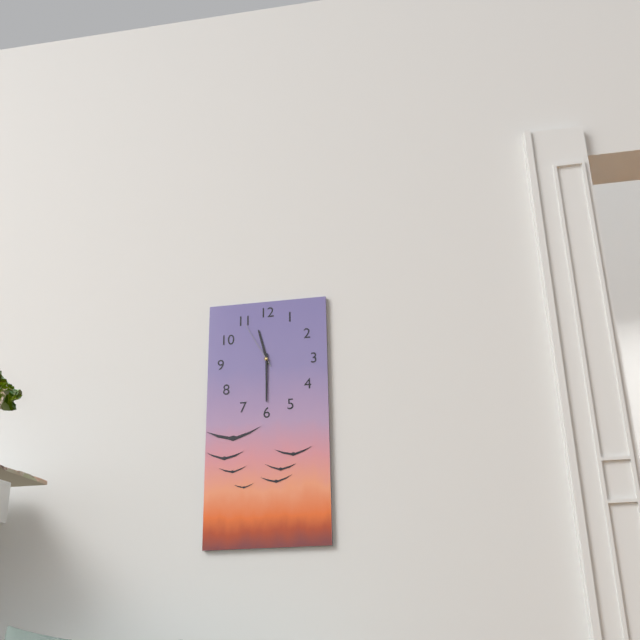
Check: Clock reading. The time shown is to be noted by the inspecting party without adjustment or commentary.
11:30:55
